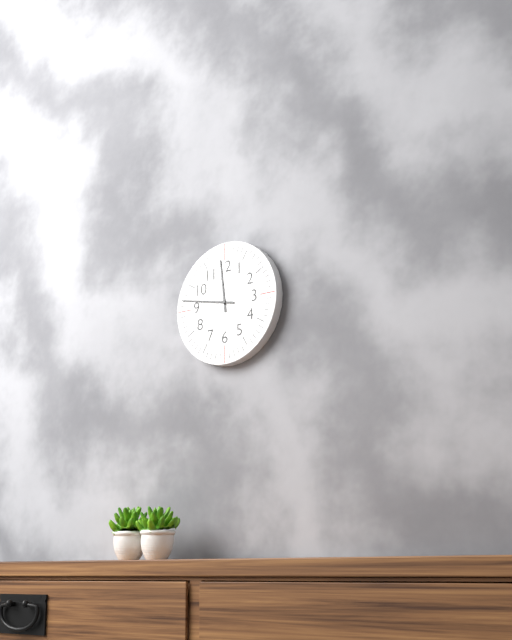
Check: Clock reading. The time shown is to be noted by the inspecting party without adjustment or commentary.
11:47
